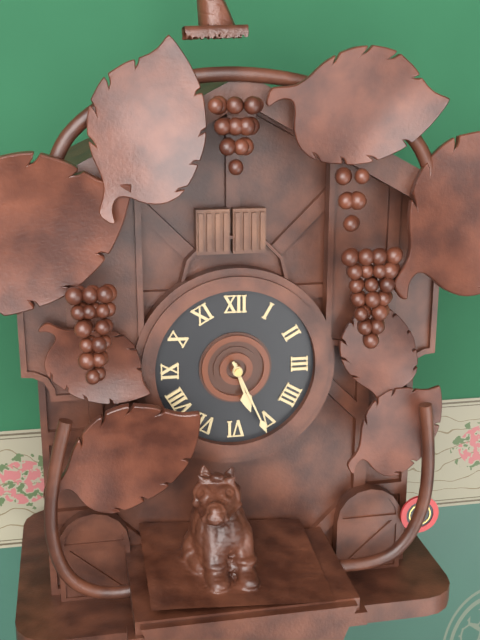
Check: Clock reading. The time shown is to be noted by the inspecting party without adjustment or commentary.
5:26
